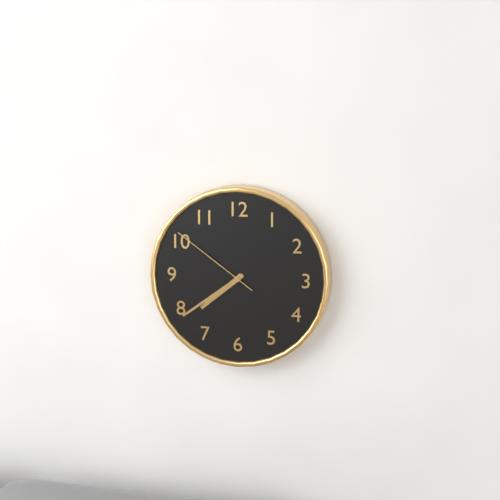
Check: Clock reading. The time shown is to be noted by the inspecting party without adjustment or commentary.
7:39:51
